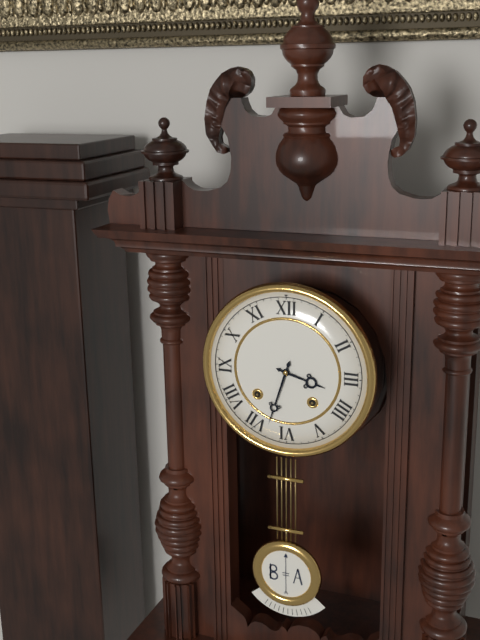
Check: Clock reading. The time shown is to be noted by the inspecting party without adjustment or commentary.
3:33
